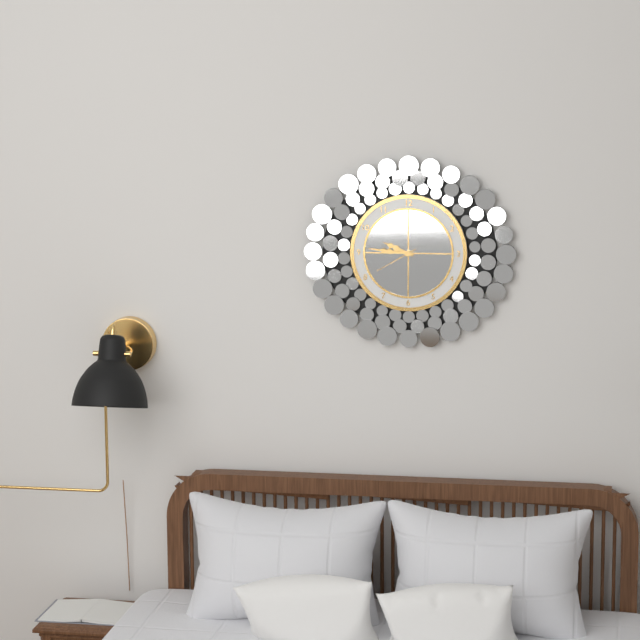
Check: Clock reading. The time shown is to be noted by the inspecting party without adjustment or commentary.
9:46
